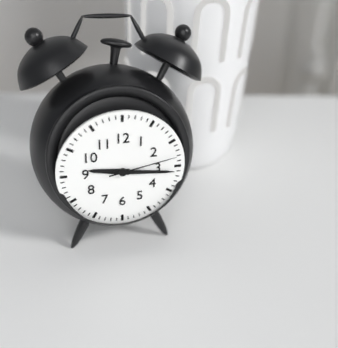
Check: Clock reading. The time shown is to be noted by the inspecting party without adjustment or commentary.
9:16:13
